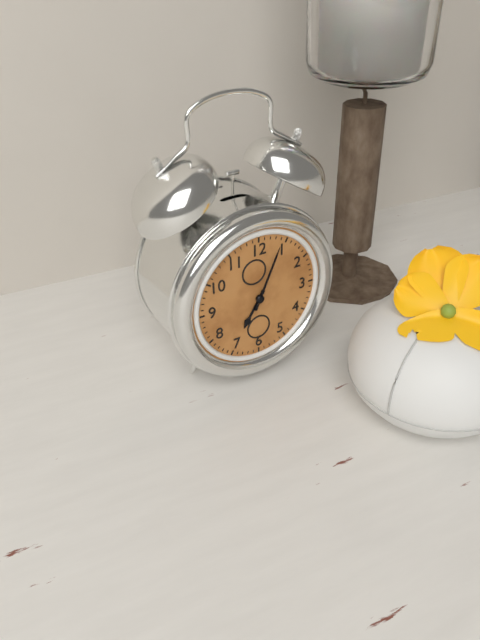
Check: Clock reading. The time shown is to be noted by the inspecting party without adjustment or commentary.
7:04
